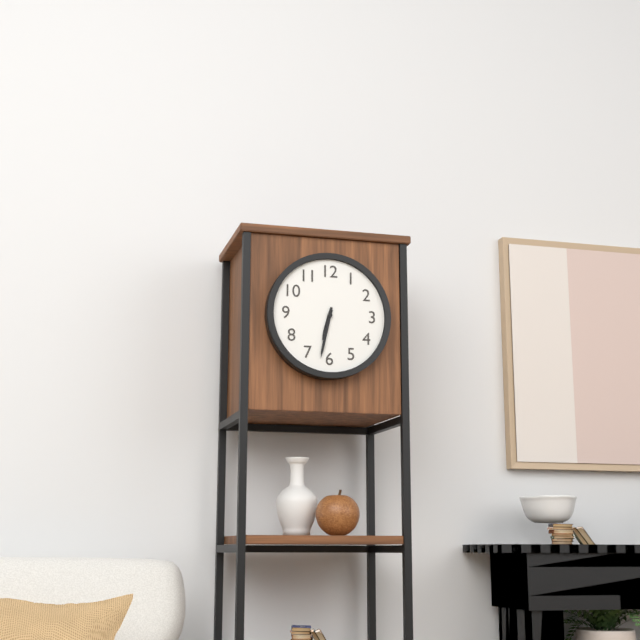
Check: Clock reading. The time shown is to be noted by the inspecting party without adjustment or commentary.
6:32
